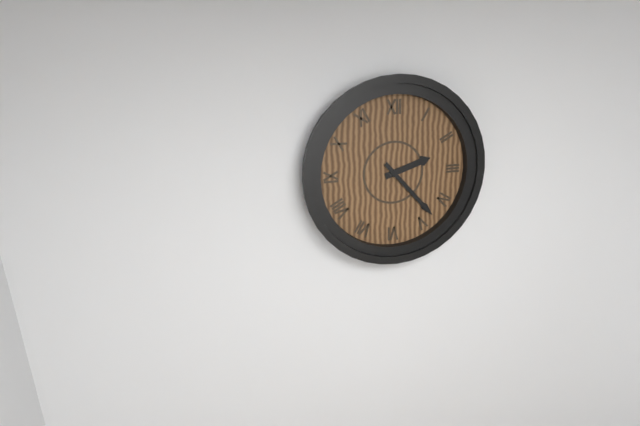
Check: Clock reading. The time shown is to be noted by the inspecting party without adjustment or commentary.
2:23
